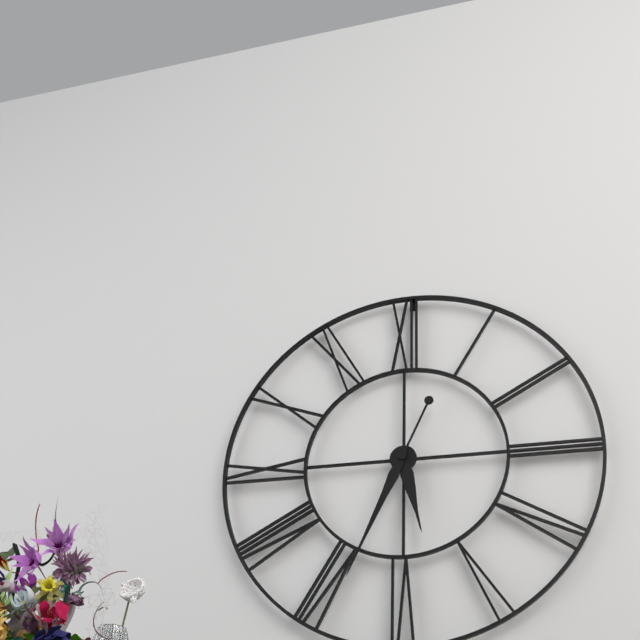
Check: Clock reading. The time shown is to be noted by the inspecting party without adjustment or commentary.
5:34
